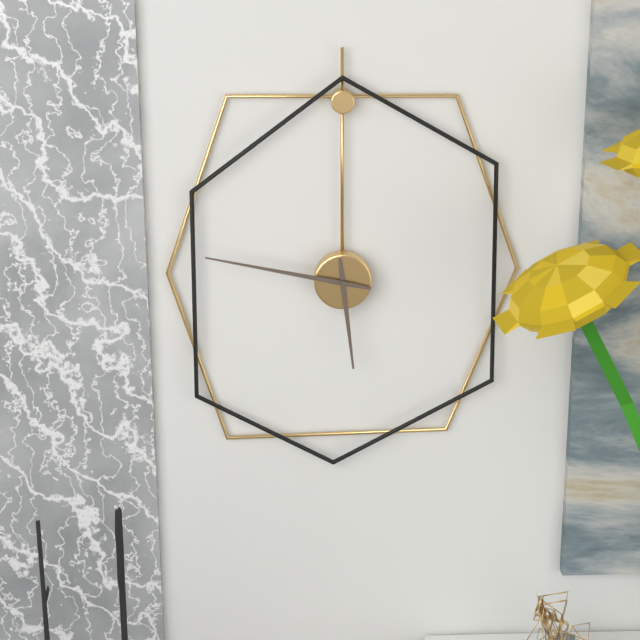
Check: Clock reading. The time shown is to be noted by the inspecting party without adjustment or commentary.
5:47
